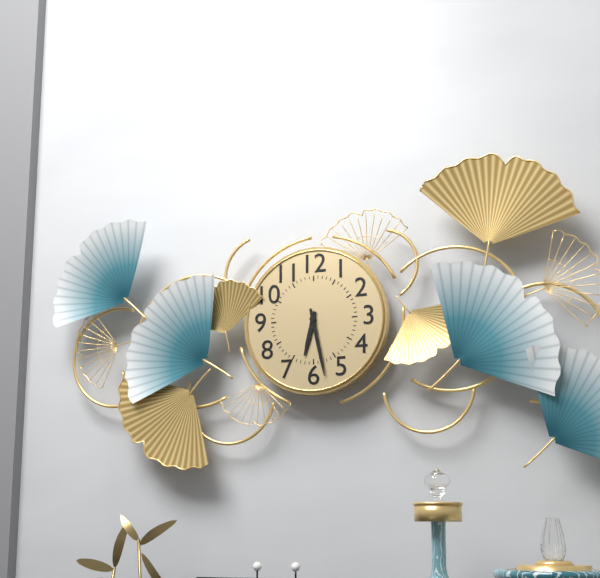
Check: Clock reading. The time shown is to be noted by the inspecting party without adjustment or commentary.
6:28
